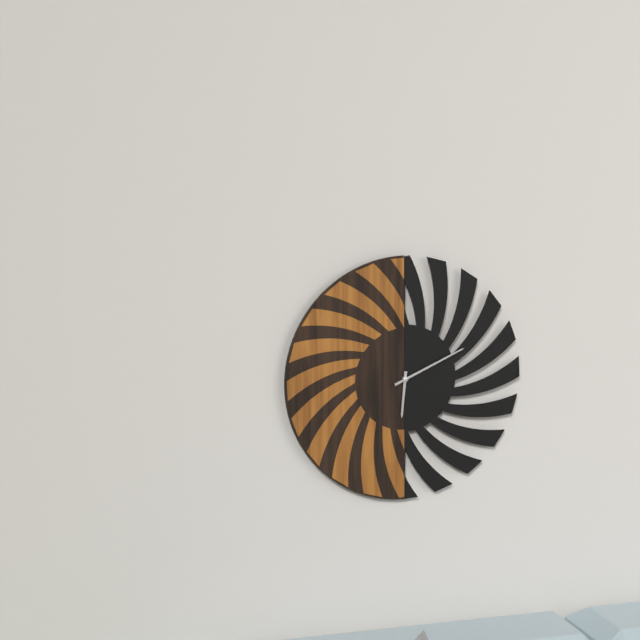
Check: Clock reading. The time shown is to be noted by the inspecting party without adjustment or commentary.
6:11
